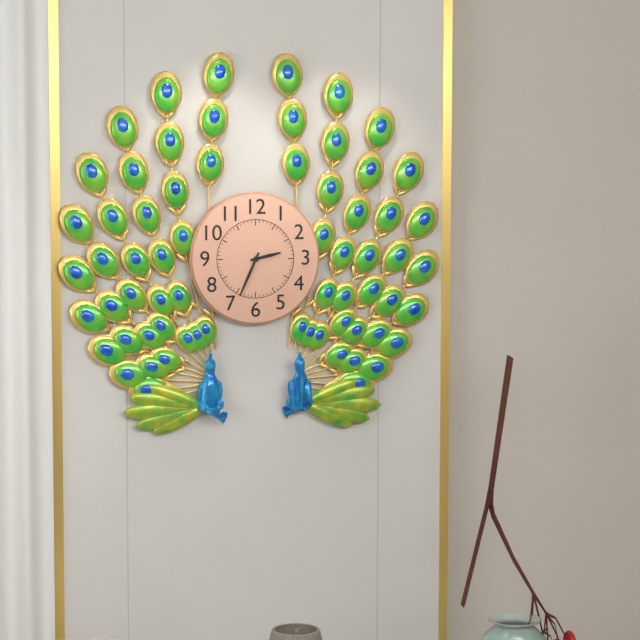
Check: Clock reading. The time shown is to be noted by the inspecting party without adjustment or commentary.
2:34
